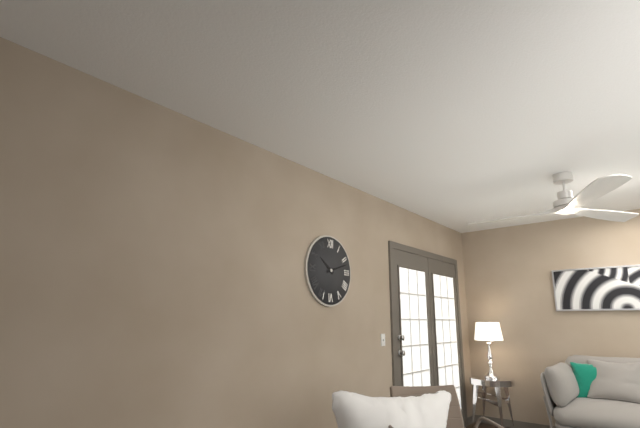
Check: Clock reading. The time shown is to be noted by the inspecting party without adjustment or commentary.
10:12
